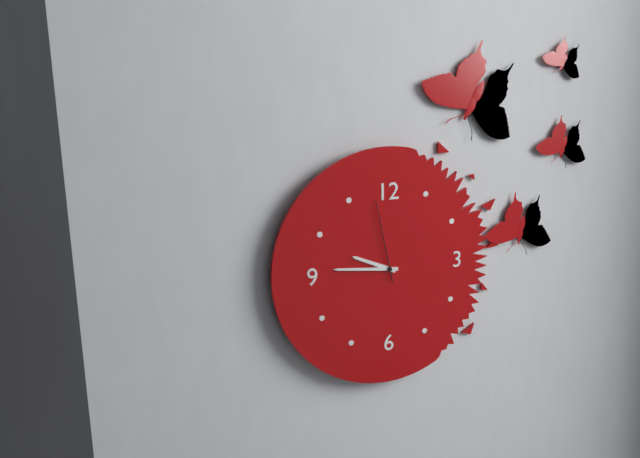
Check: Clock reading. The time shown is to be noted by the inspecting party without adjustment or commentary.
9:46:58
